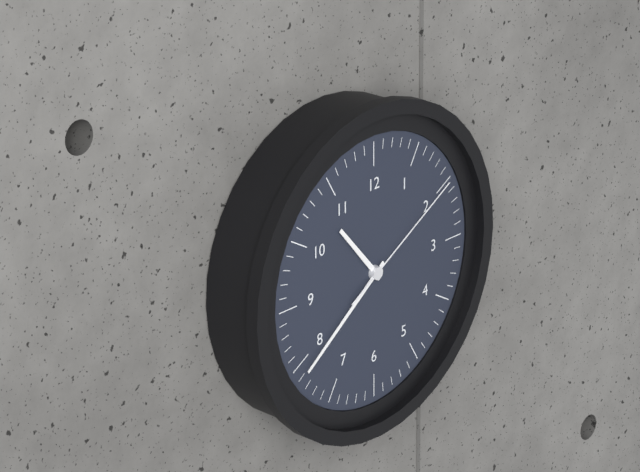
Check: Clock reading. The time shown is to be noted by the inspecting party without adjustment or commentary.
10:39:10
